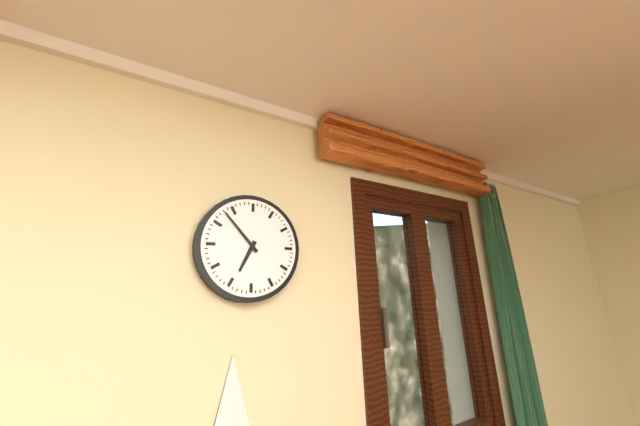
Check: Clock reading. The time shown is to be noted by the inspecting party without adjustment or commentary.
6:53
